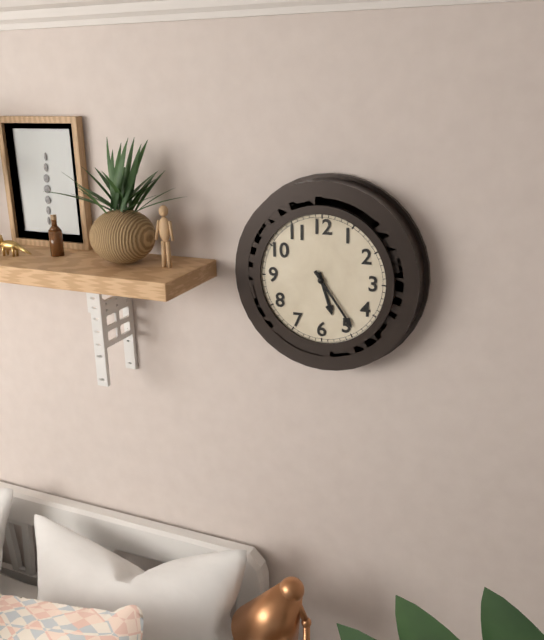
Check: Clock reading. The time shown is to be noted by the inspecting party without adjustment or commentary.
5:24
